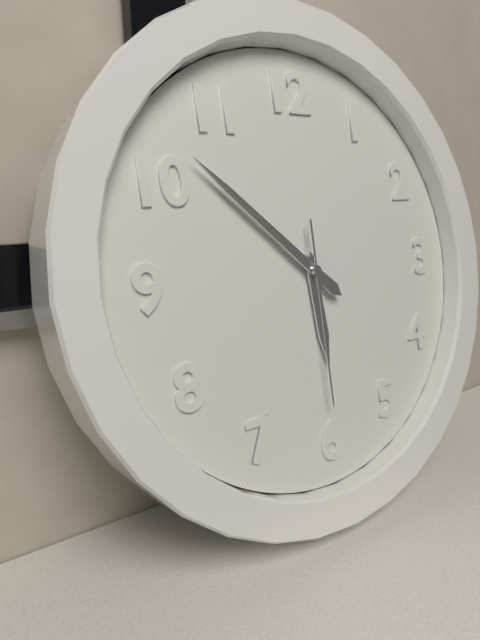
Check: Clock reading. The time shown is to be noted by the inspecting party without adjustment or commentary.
5:52:30
